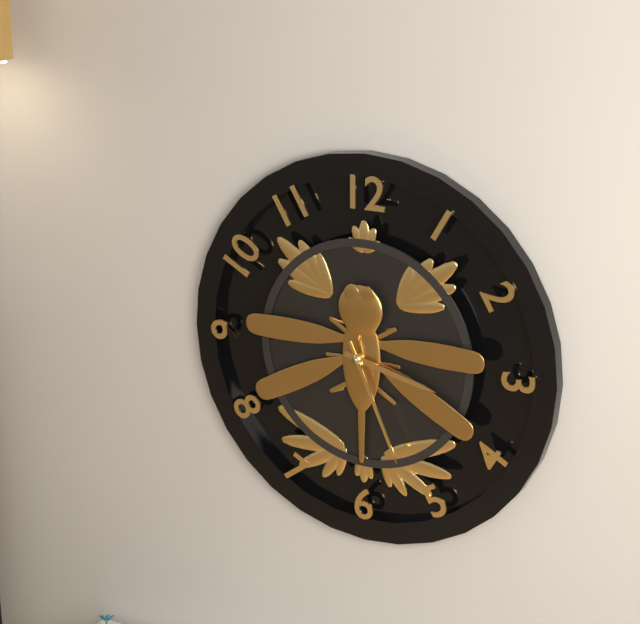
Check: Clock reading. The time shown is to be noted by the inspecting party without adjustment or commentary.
3:26
